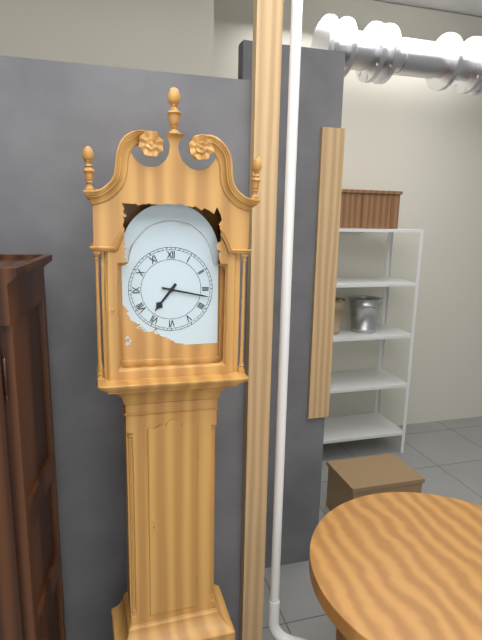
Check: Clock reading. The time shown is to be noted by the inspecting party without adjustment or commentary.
7:17
